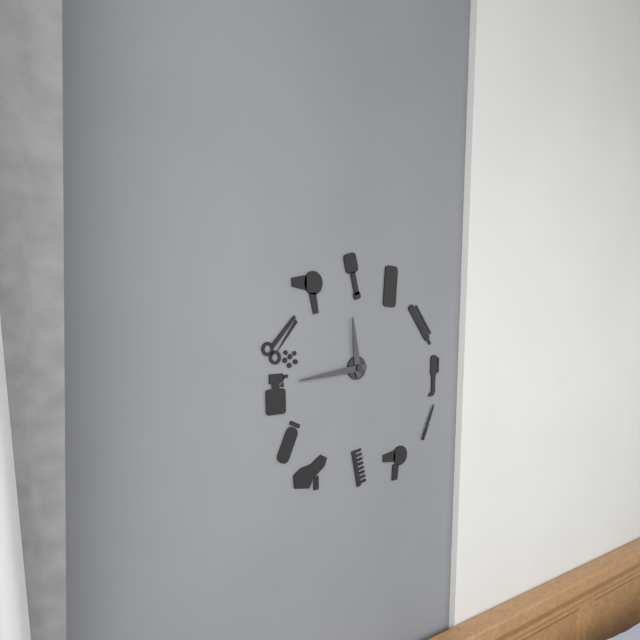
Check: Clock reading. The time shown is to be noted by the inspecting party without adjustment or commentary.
11:44
